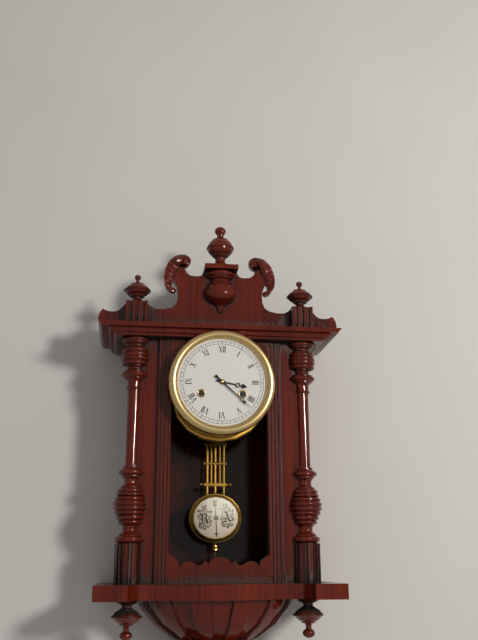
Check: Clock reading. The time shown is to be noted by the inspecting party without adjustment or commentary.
3:22
